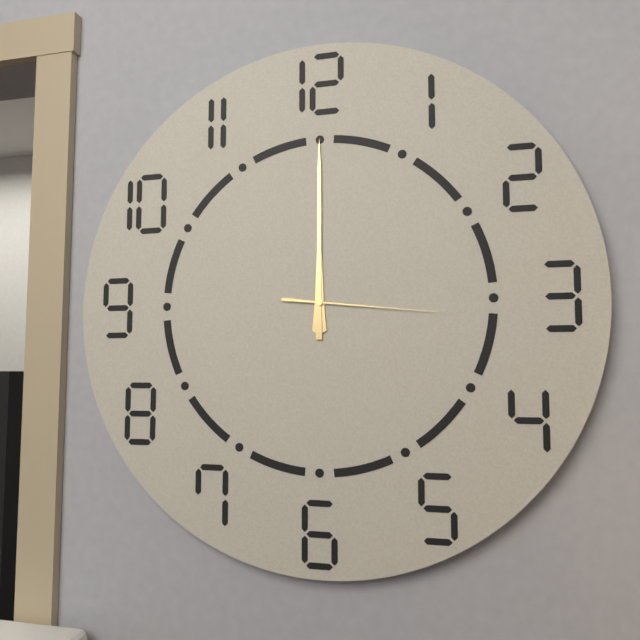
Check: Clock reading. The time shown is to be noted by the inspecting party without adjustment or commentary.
12:00:16
